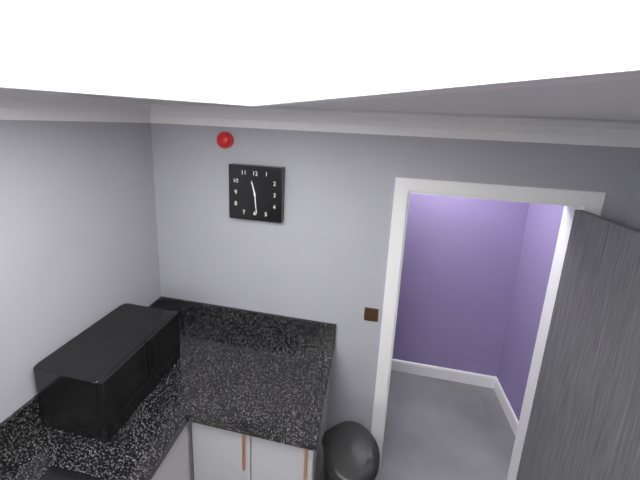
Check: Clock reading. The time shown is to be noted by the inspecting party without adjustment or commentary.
11:29
